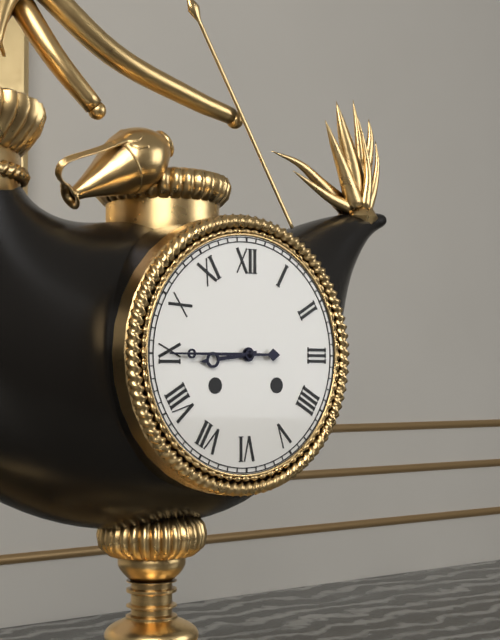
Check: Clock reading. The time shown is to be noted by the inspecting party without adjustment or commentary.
8:45
